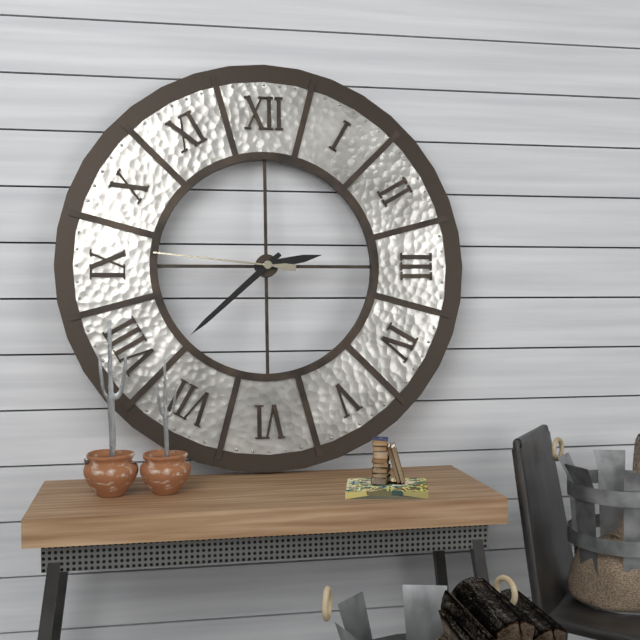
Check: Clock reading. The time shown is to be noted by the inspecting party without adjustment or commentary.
2:38:46
